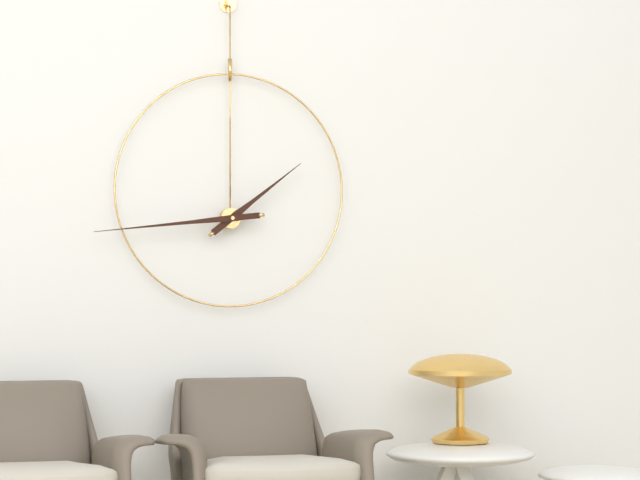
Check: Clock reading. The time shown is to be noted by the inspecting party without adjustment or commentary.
1:44
